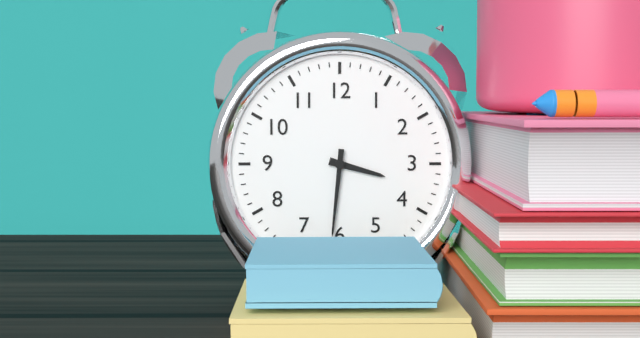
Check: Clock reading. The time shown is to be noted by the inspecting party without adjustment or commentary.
3:31
